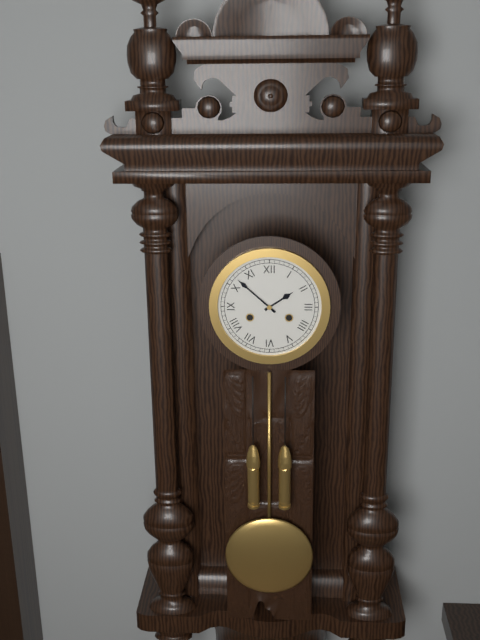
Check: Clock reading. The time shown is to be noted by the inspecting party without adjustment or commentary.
1:52
